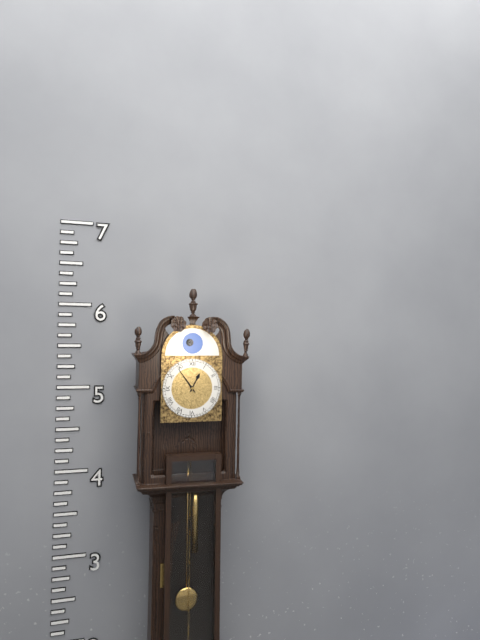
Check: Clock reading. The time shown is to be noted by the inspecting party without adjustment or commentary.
12:54
